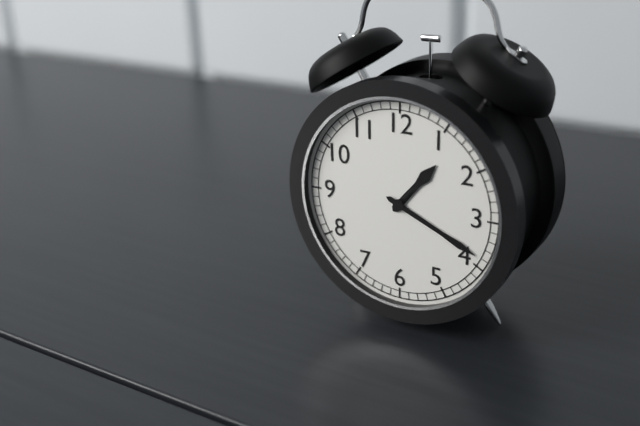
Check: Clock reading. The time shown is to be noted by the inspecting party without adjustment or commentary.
1:19
